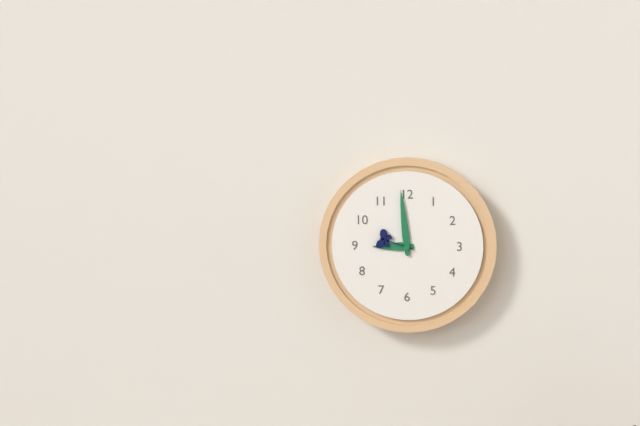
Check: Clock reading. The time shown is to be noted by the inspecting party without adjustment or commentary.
8:59
